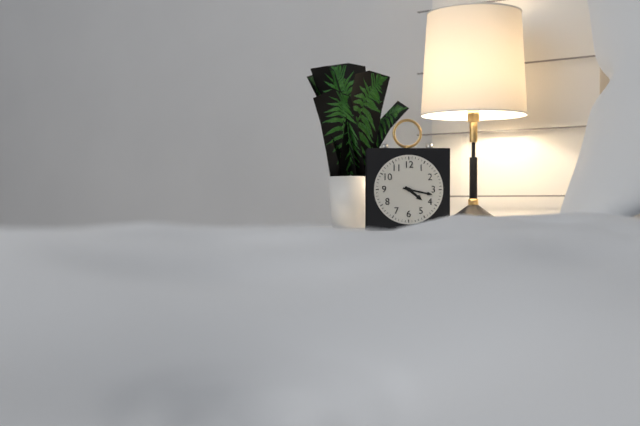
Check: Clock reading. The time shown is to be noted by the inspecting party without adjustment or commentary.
4:17
